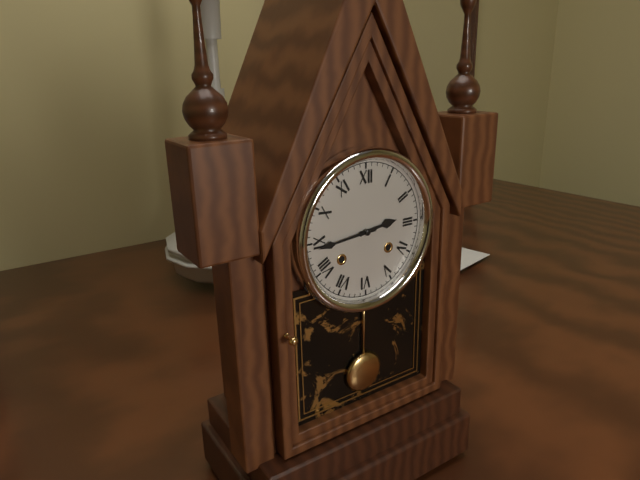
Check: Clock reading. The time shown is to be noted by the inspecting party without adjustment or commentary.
2:44
